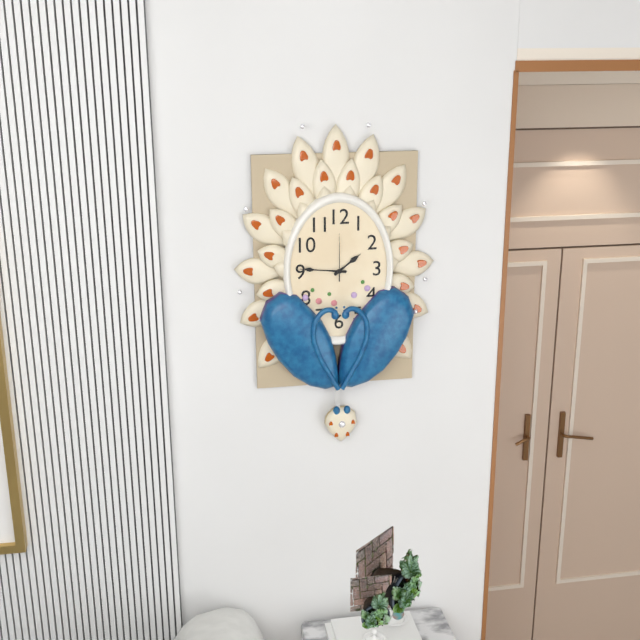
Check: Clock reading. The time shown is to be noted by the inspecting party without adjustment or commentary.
1:46
